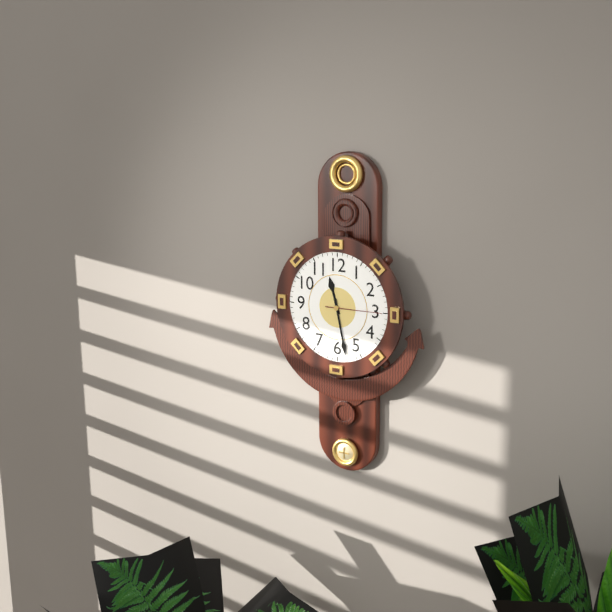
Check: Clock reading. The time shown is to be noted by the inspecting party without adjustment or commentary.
11:28:15
